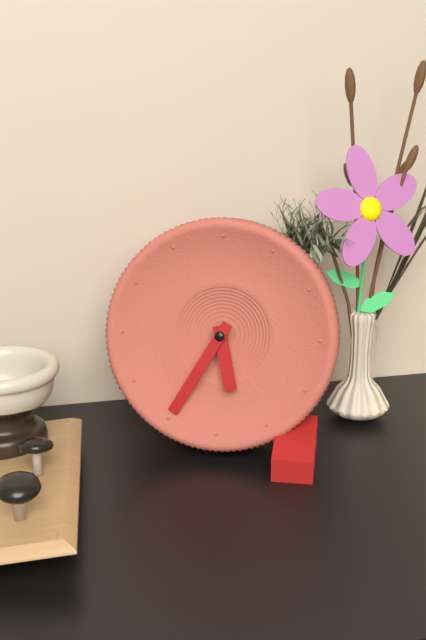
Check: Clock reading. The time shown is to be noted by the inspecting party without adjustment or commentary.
5:35
